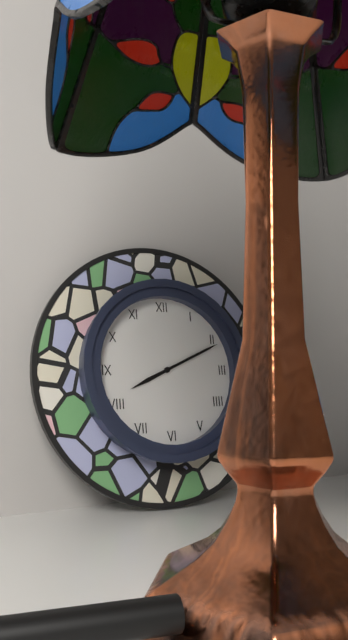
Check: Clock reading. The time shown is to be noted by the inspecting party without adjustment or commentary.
8:11
